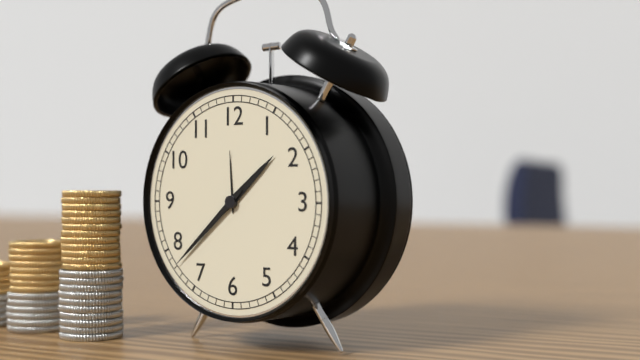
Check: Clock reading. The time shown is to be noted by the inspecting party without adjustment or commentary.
1:38
